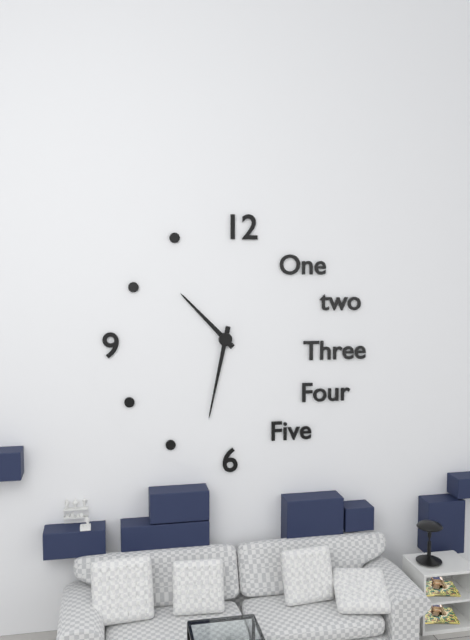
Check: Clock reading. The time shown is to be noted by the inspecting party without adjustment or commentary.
10:32
